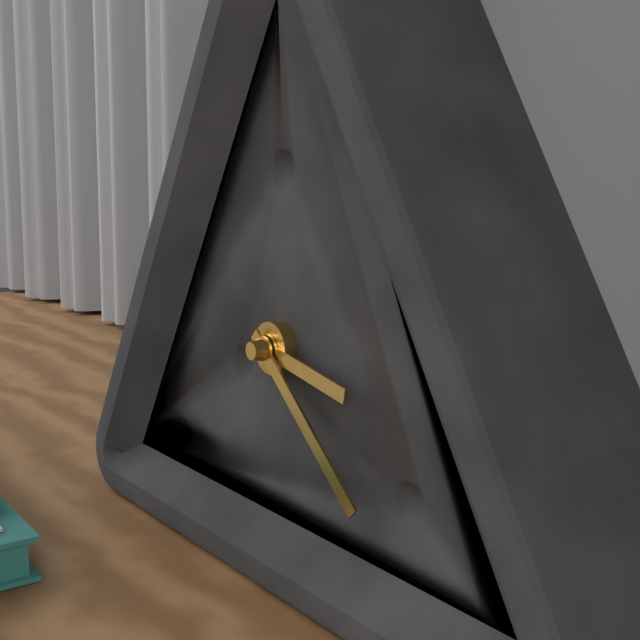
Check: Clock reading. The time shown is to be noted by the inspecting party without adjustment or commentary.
3:22
